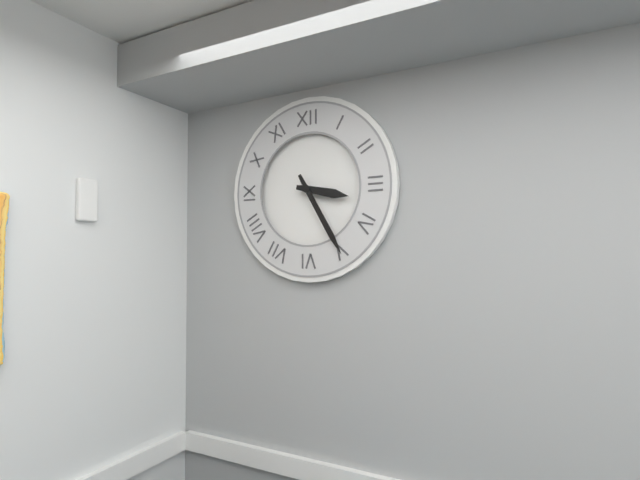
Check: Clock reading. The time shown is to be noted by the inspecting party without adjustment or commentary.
3:25
